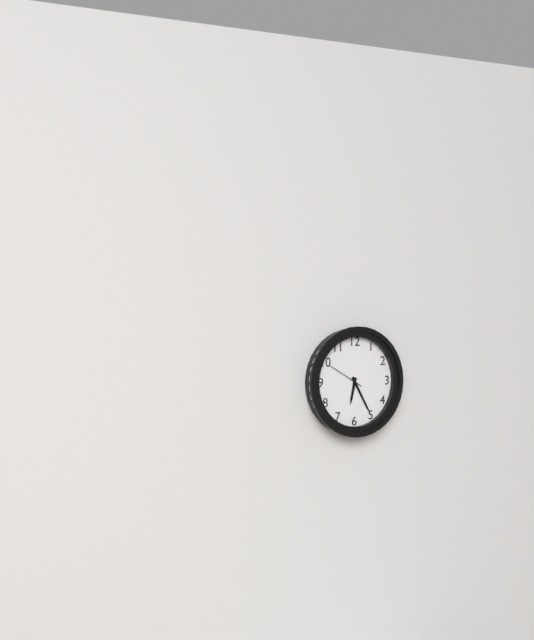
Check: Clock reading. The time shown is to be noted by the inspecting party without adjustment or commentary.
6:25
